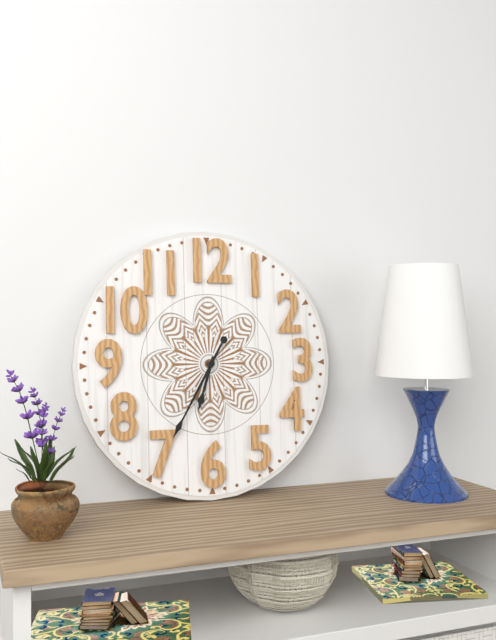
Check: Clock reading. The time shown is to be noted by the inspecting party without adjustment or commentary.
6:35
